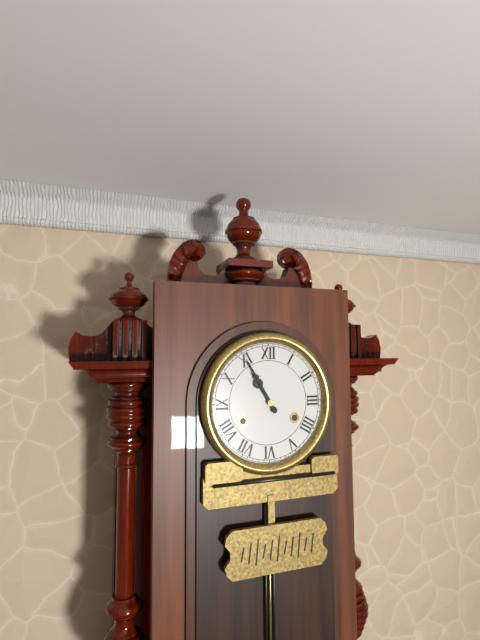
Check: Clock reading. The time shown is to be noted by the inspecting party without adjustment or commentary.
10:55
